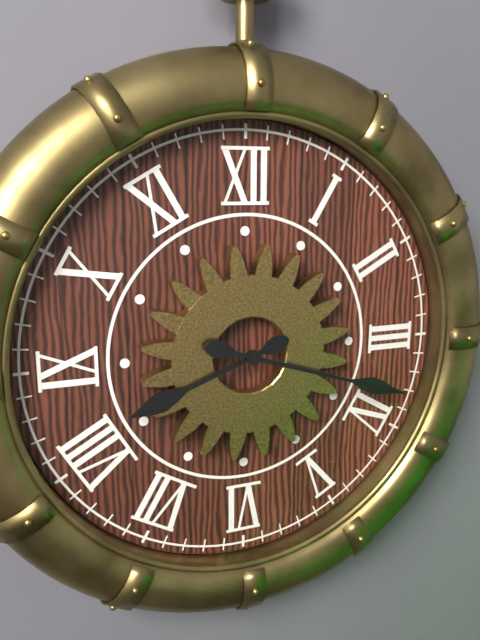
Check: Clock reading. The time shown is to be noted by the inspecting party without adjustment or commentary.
8:18
